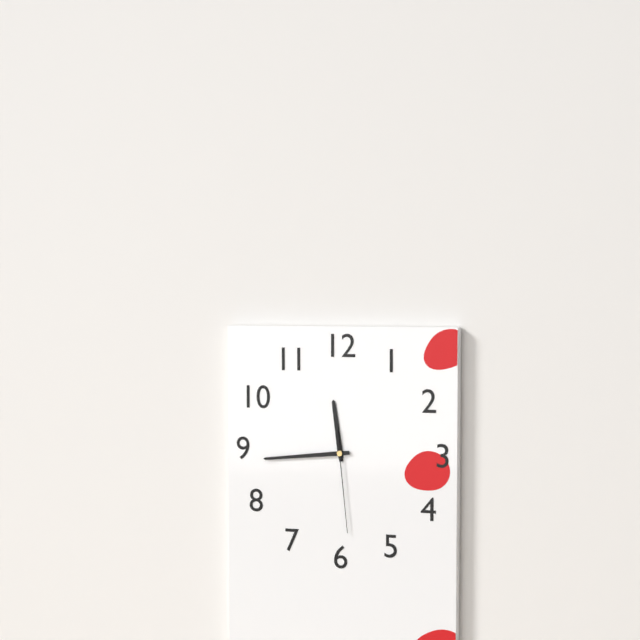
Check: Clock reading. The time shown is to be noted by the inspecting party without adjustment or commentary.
11:44:29
